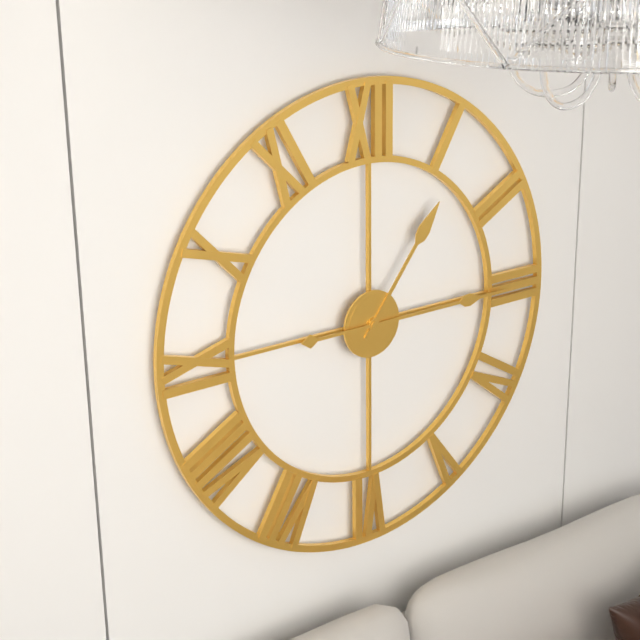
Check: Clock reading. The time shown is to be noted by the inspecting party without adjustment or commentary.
1:15
